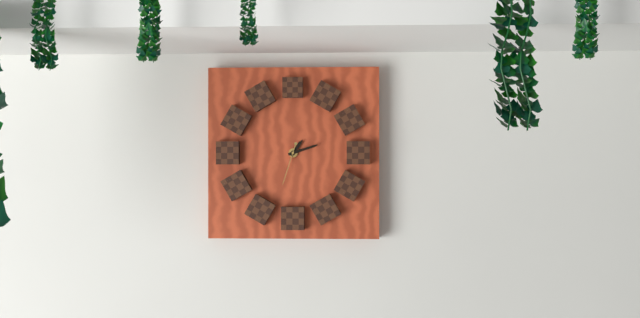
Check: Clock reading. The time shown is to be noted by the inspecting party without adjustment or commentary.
1:12
